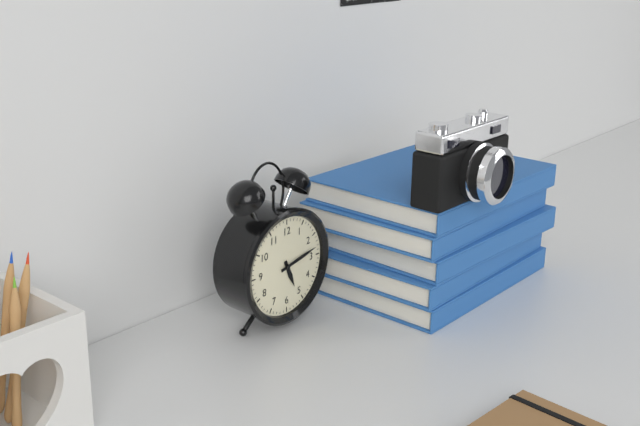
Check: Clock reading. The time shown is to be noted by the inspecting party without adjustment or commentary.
5:13
